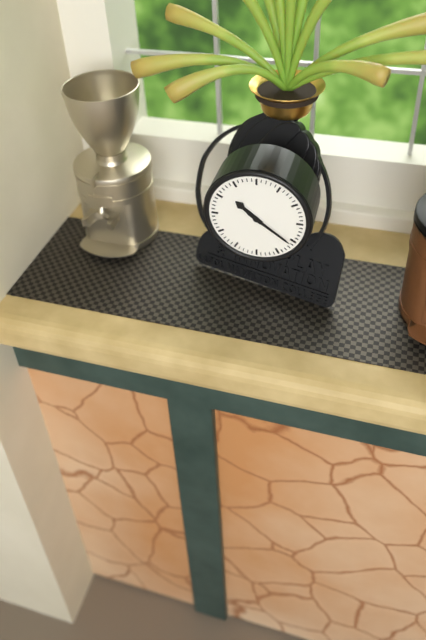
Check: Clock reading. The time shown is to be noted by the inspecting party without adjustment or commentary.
10:21
